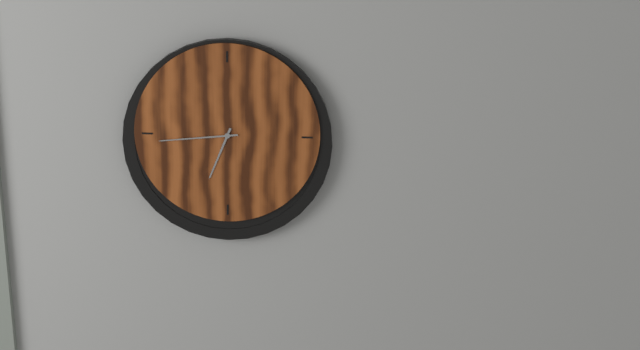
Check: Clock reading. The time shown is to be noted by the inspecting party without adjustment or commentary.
6:44
